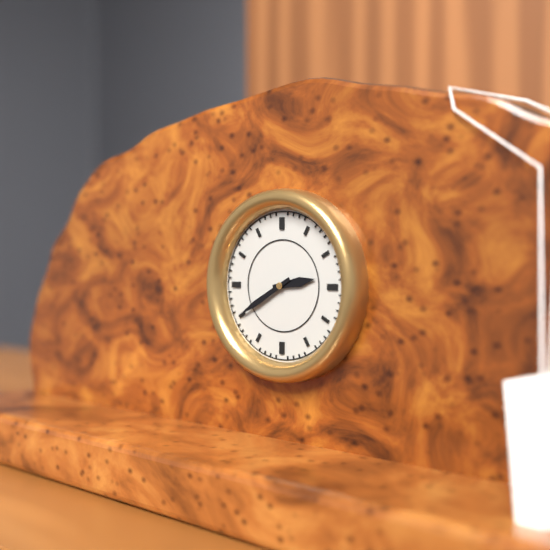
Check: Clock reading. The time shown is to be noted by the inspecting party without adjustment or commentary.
2:40
